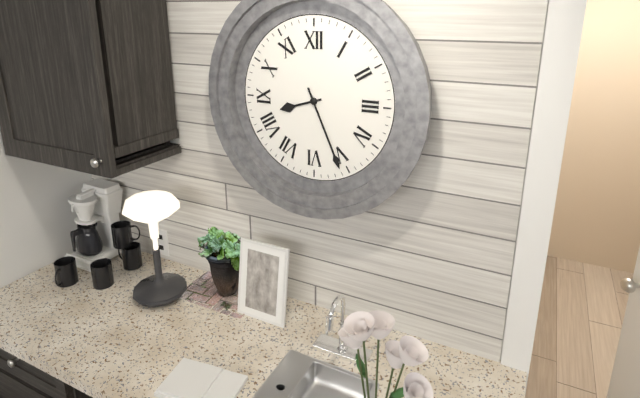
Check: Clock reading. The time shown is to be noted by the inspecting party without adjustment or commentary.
8:26
